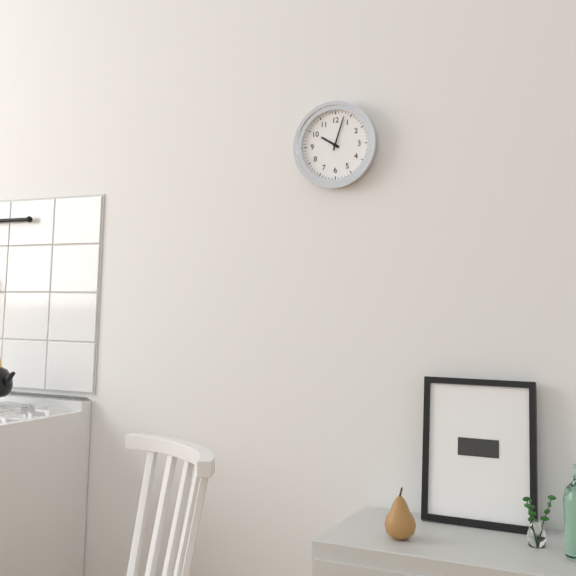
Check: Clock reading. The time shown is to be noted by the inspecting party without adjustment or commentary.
10:03
